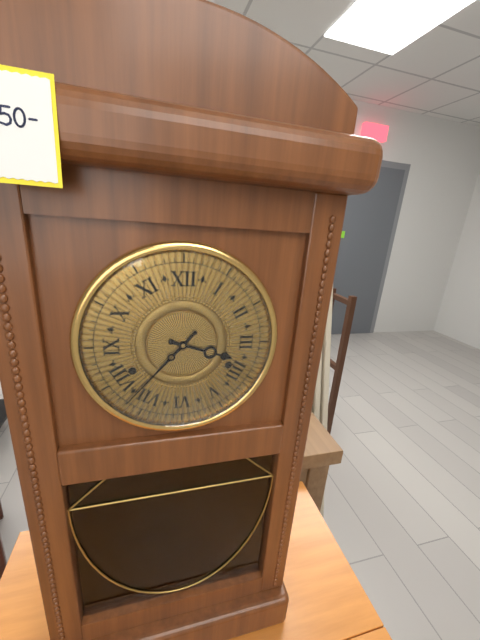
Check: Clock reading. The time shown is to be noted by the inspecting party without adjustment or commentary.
3:37
